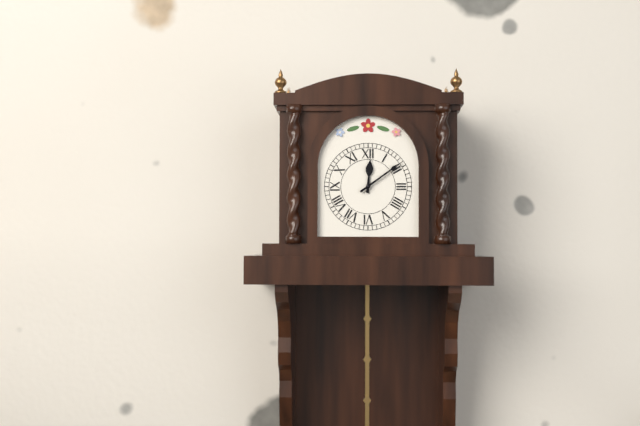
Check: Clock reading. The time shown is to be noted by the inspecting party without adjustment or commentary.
12:09
